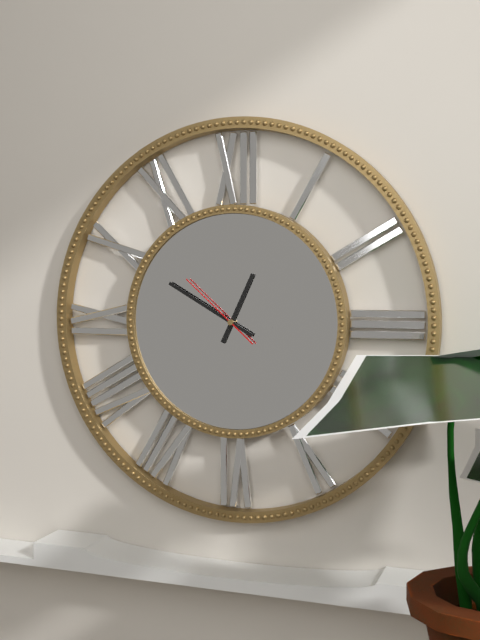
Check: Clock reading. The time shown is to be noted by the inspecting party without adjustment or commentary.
12:50:52
